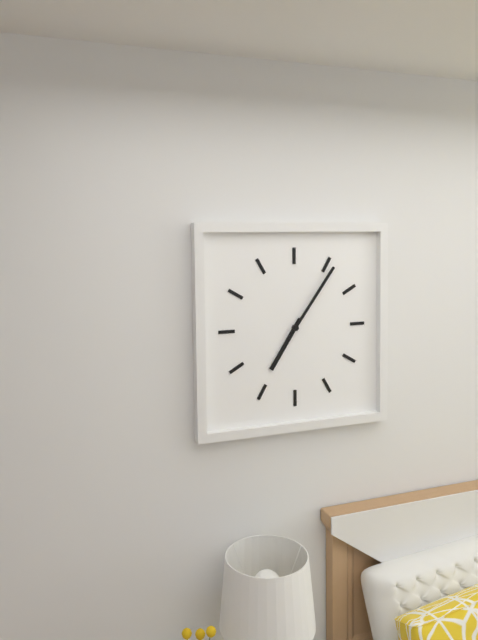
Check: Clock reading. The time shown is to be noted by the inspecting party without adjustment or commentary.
7:06
